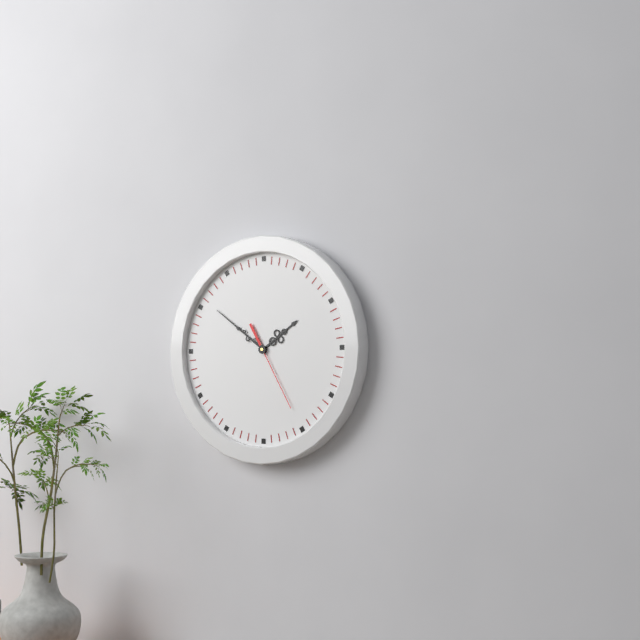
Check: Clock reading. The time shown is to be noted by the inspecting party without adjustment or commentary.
1:51:25
